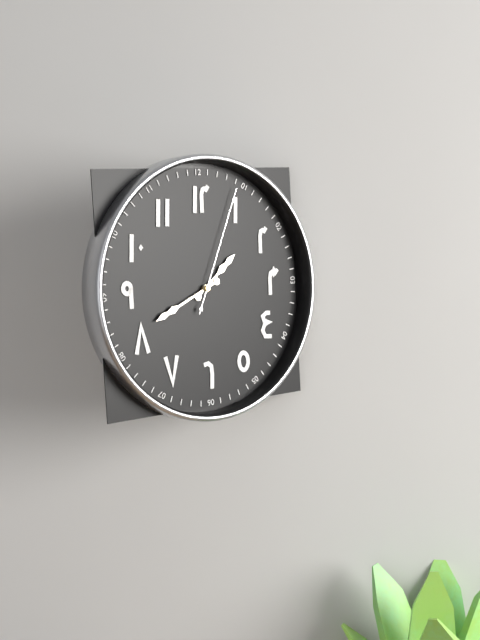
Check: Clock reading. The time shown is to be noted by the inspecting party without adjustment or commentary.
1:41:04
